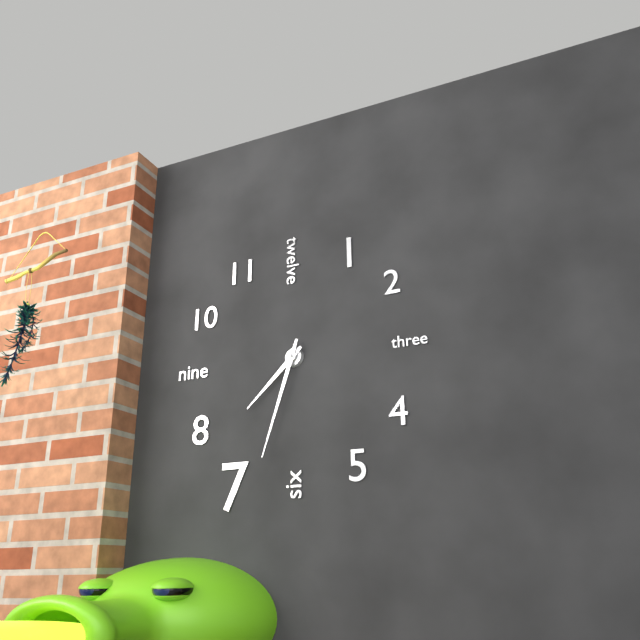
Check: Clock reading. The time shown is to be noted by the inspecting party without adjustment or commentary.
7:33
